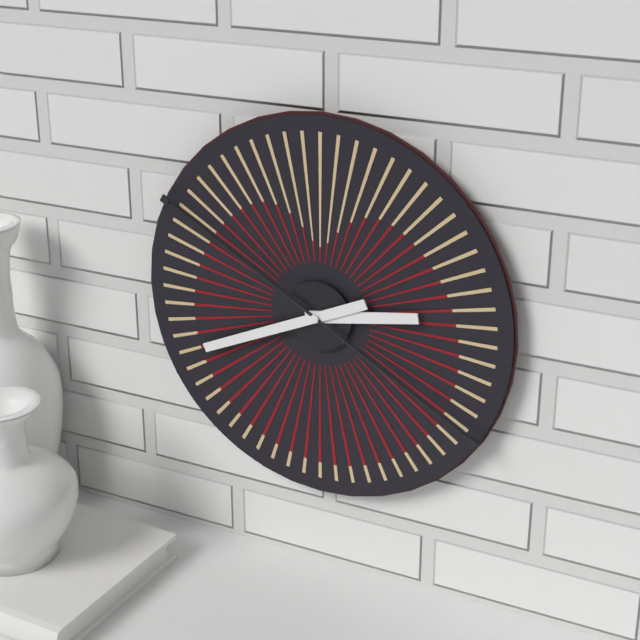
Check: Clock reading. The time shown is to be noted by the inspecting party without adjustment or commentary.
2:41
